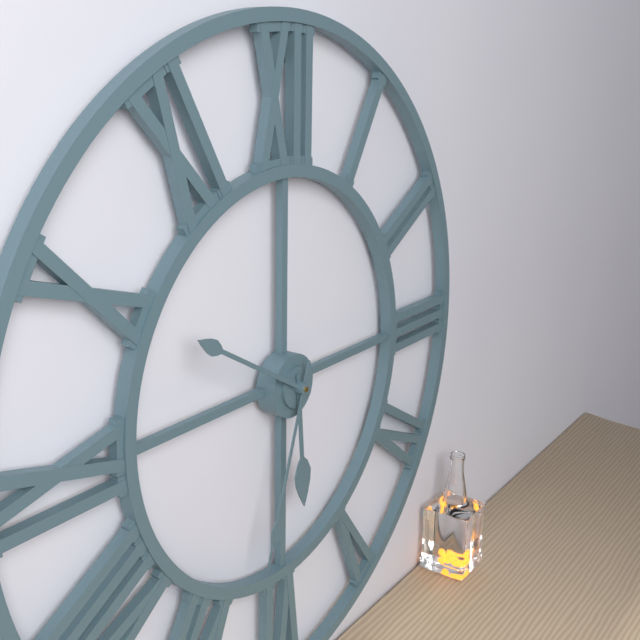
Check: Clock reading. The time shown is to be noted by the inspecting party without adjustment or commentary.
5:50:33
